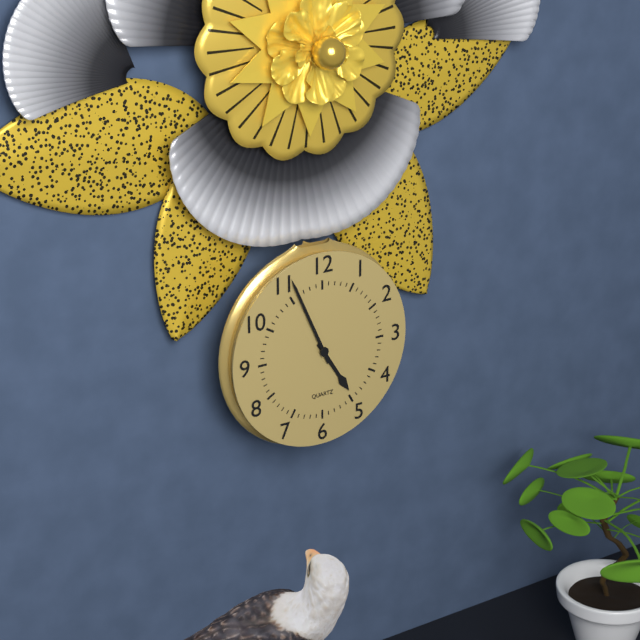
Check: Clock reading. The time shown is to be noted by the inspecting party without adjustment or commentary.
4:56
